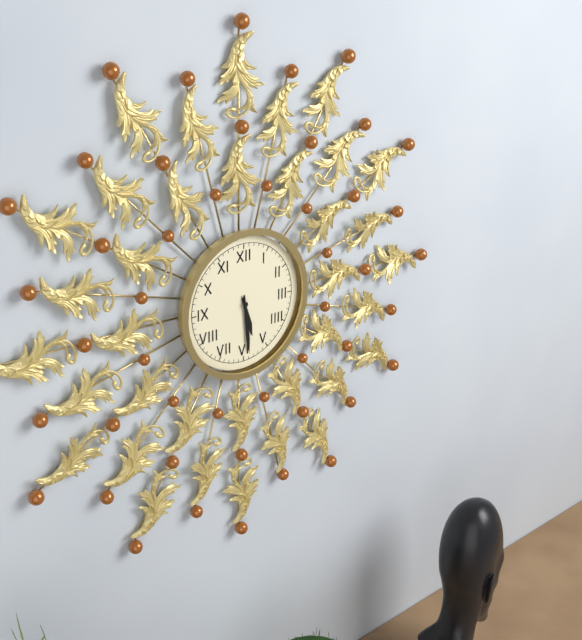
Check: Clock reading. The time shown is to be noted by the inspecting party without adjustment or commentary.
5:29
